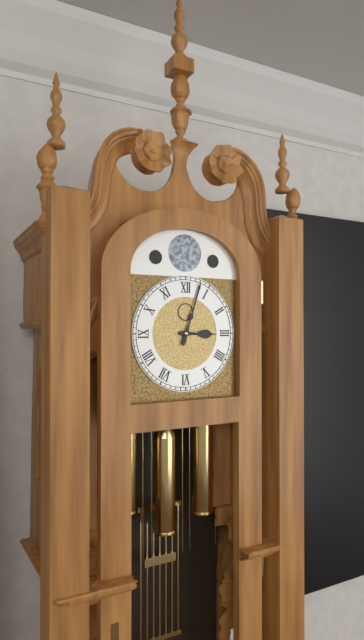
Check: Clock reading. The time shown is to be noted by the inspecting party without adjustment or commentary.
3:03
